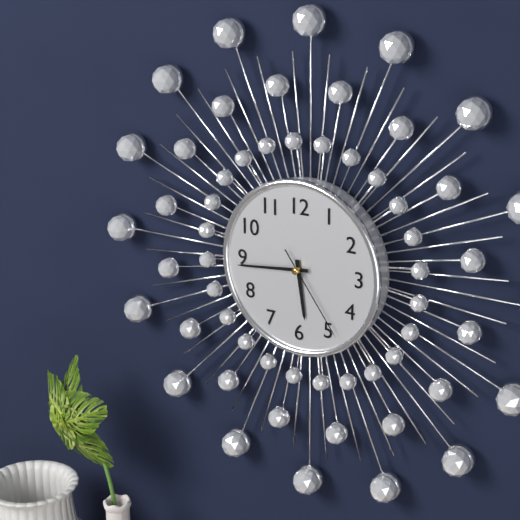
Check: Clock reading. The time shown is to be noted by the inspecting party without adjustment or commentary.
5:44:24
